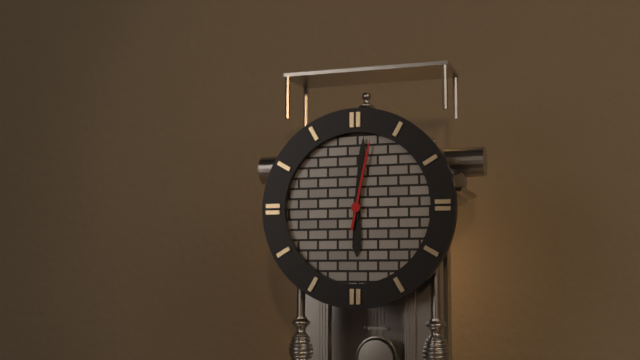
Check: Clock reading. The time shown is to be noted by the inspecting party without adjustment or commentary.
6:01:02
